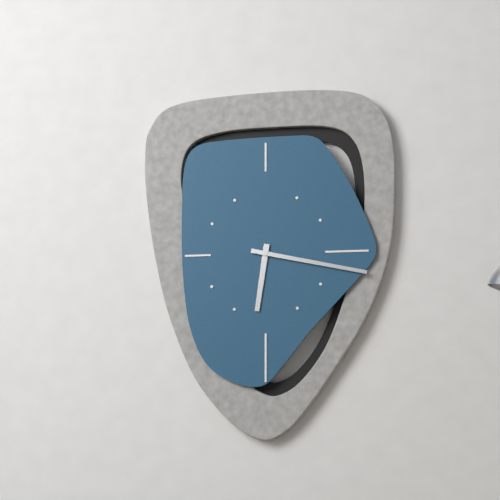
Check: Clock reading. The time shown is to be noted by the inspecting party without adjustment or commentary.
6:17
